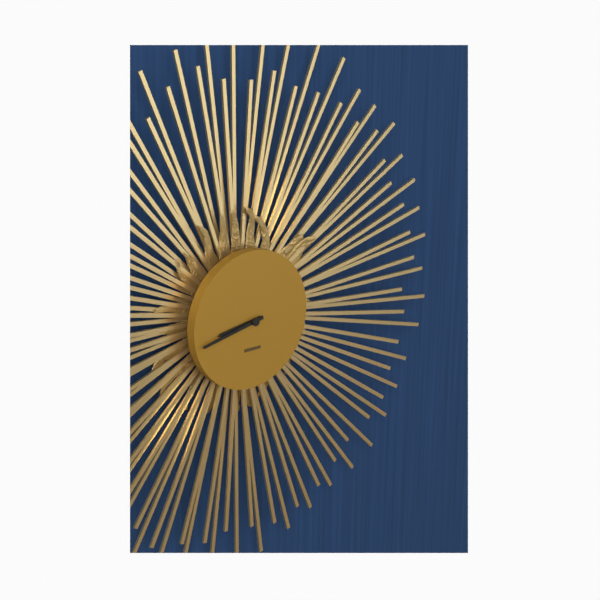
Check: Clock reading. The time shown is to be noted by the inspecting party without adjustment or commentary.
8:43
